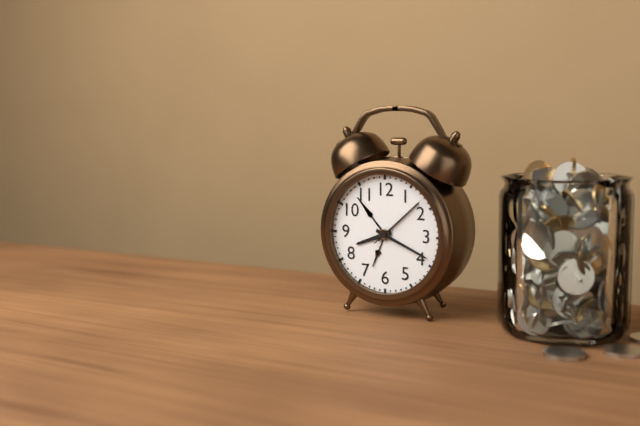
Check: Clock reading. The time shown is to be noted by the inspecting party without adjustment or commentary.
8:19:08
